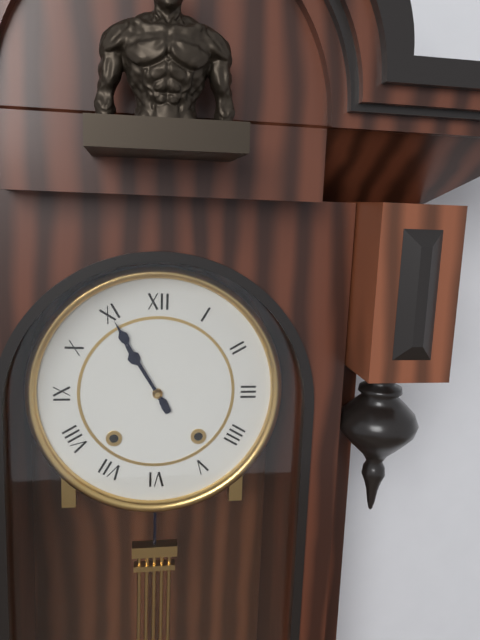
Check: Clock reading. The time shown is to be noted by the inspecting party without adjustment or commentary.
10:55
